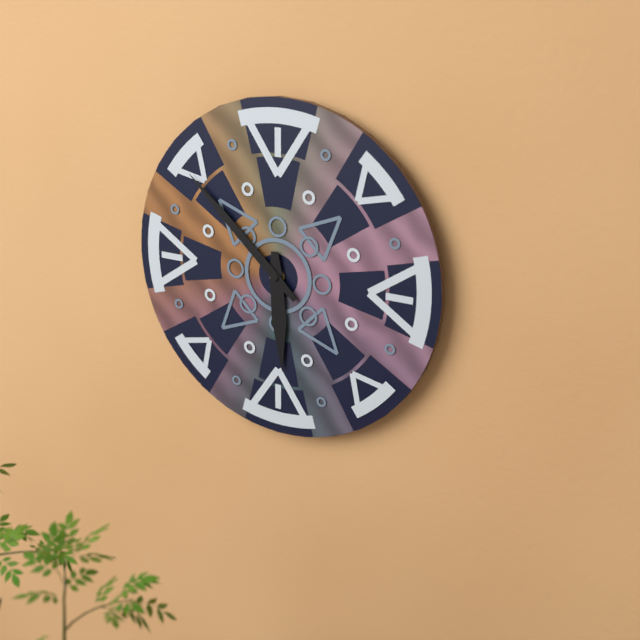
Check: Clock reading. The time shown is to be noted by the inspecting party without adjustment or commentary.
5:52
